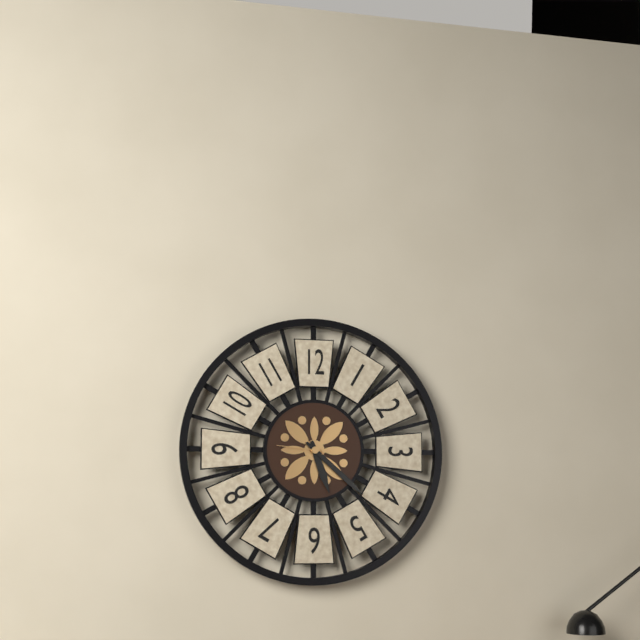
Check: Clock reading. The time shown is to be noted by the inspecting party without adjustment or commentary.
5:22
